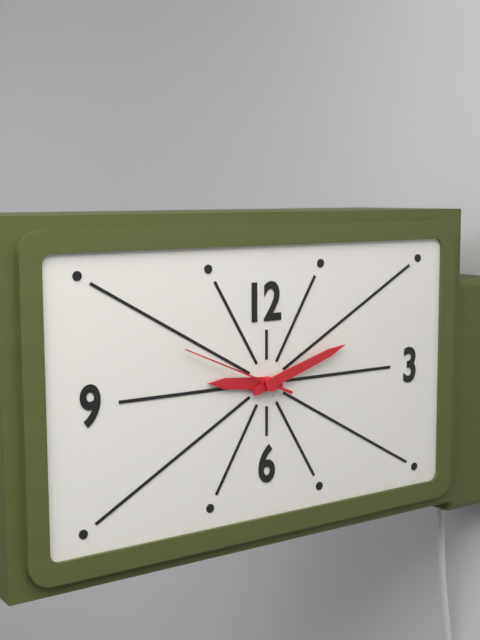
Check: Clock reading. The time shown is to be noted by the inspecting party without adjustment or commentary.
9:12:49
